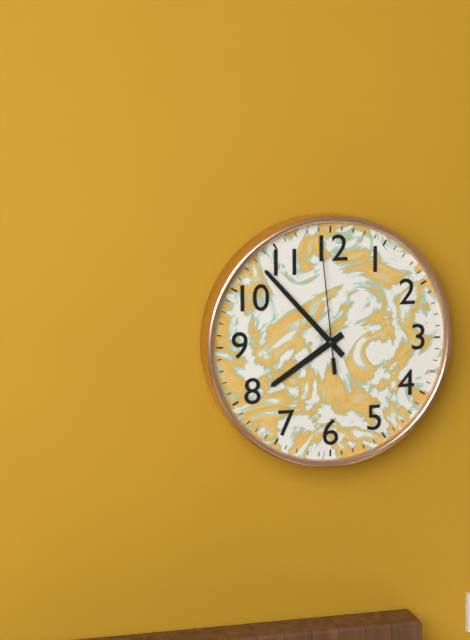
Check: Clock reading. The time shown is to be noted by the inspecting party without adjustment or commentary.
7:53:59
